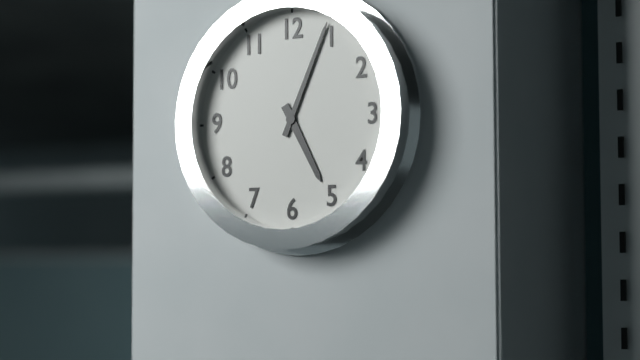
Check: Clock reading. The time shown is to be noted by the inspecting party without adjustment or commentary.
5:04
